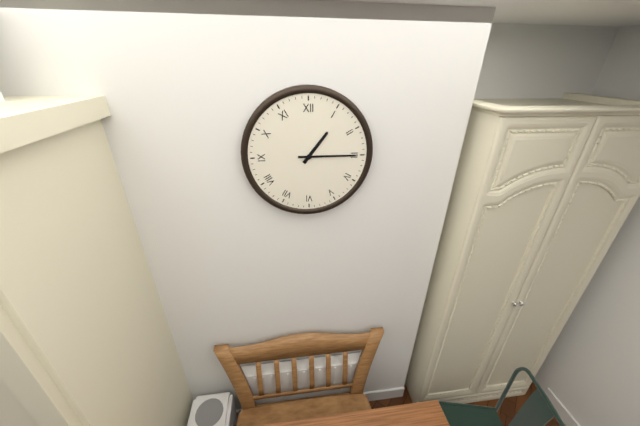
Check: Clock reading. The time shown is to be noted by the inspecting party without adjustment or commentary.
1:15
